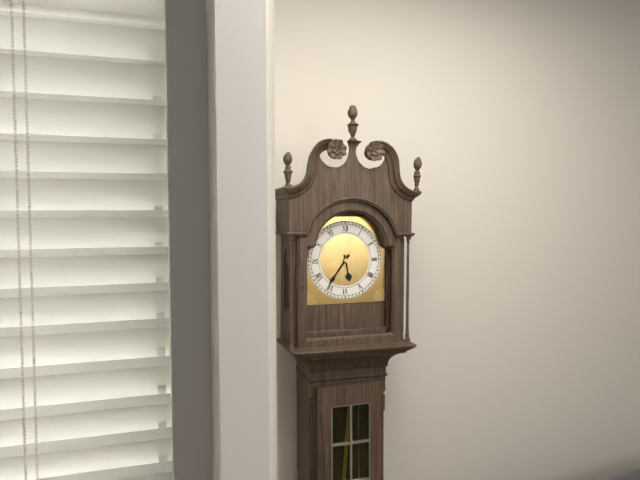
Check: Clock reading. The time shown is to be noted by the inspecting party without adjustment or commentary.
5:36
